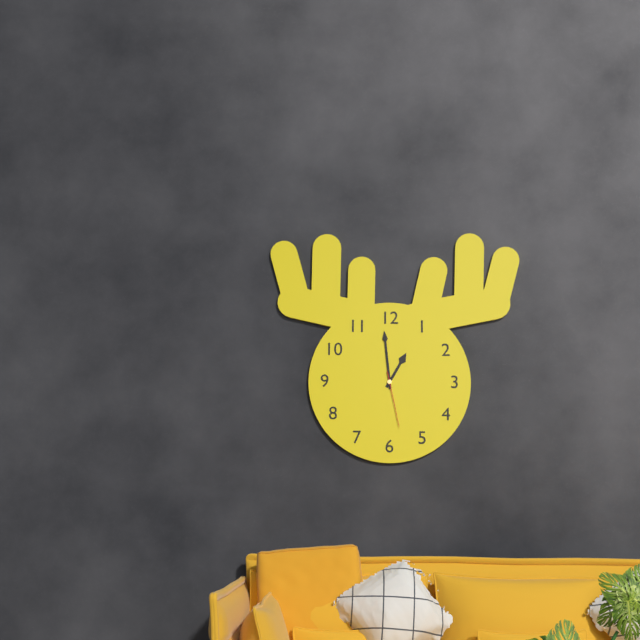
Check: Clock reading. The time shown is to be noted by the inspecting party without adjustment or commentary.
12:59:28
